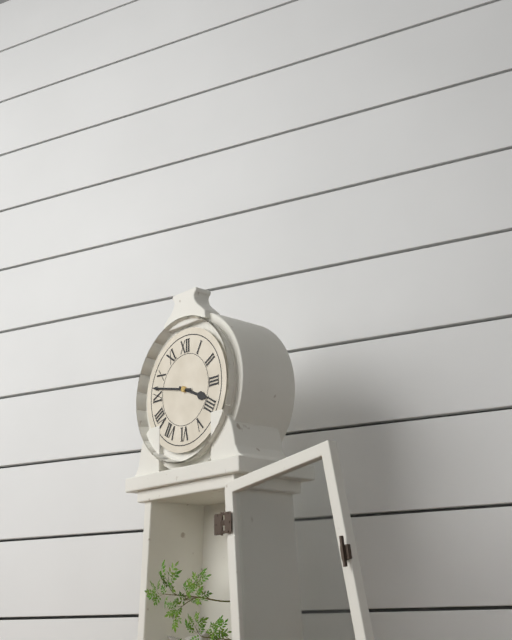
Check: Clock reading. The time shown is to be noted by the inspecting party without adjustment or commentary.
3:47
